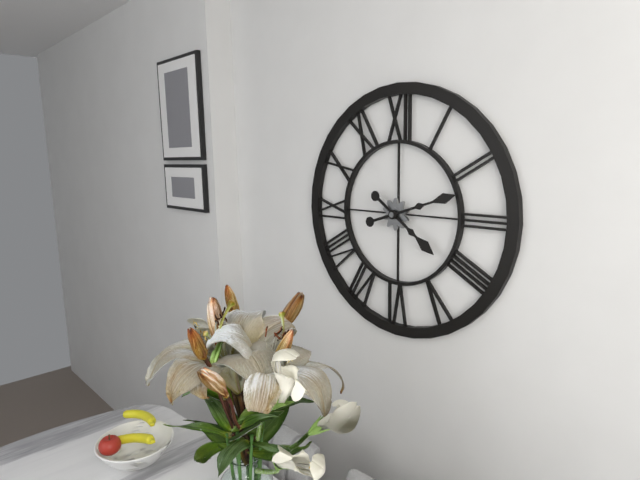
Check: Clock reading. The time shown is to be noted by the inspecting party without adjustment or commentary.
4:12
